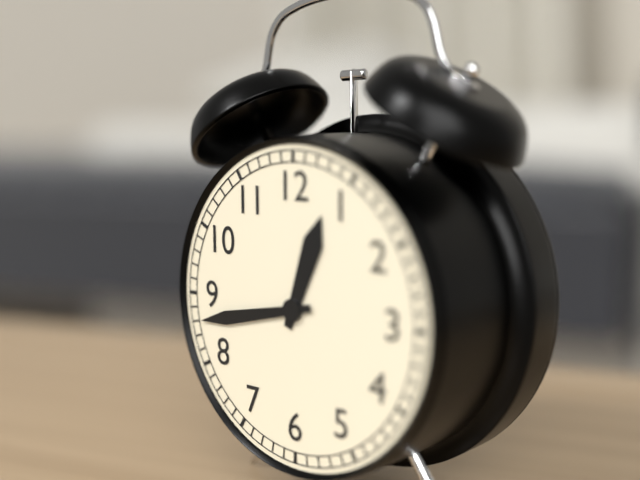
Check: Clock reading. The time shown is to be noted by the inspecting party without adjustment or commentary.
12:43
